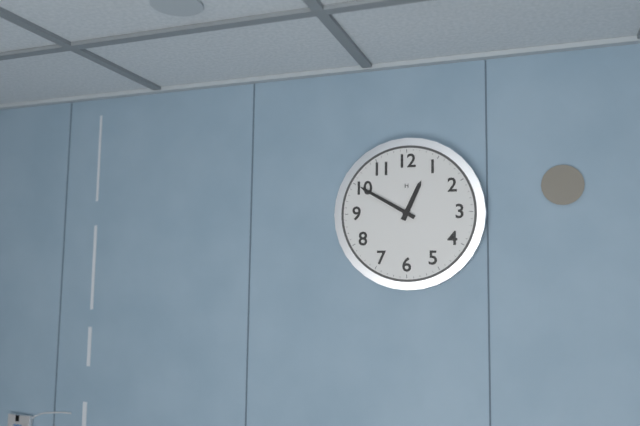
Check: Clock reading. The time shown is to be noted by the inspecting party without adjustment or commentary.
12:50
